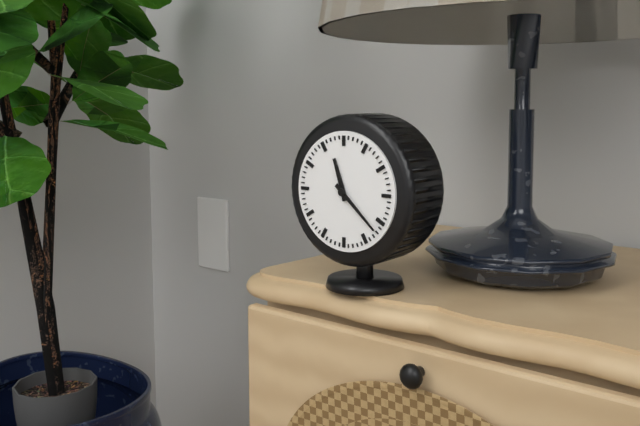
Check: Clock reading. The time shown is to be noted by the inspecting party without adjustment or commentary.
11:22
